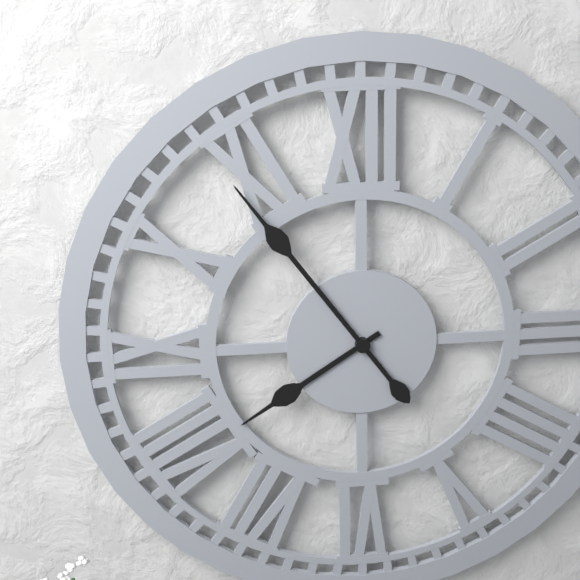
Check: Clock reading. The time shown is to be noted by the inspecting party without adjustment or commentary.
7:54
